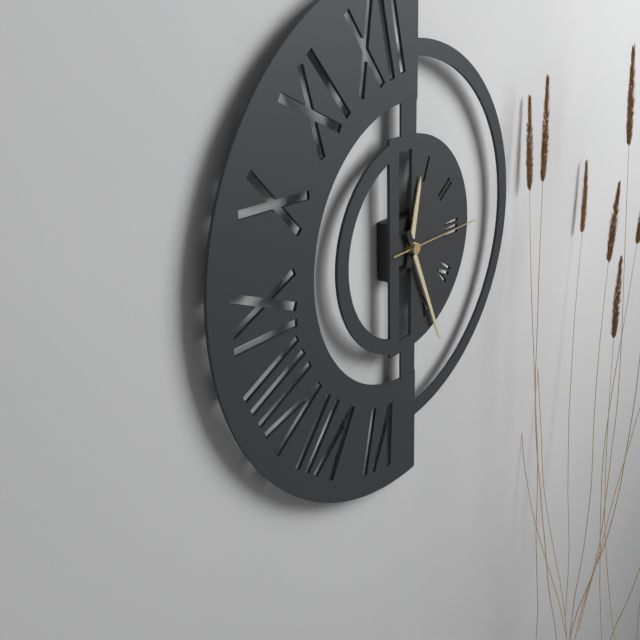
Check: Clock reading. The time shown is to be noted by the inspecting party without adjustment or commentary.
12:26:15
